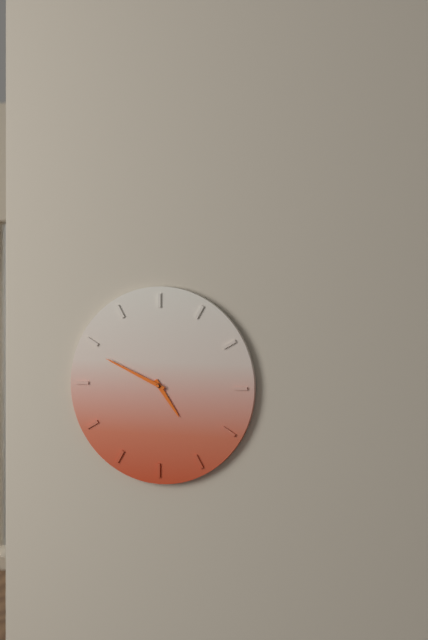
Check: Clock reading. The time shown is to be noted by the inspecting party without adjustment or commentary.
4:49
